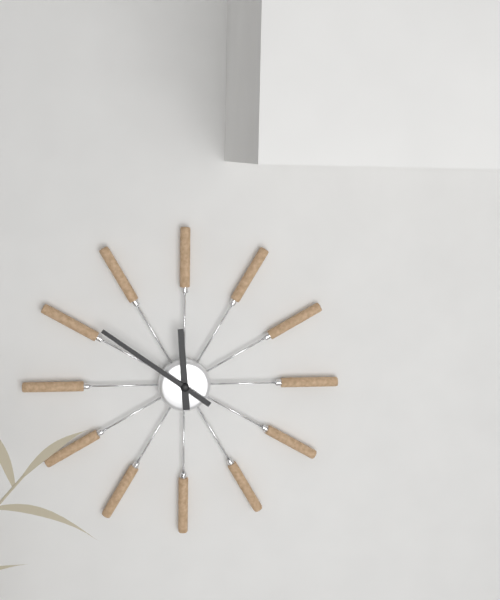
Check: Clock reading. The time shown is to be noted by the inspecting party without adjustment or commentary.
11:51
